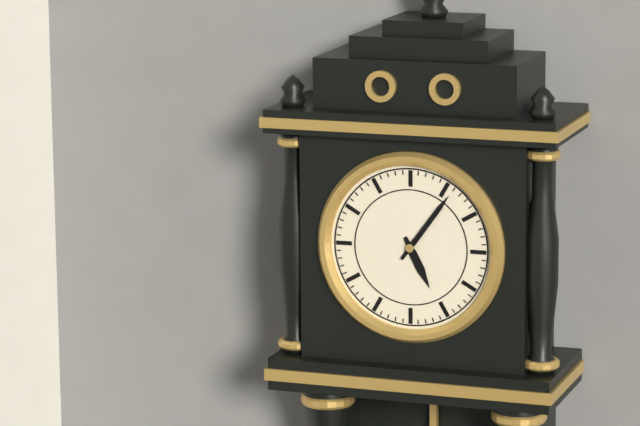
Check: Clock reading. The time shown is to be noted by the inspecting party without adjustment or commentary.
5:06
